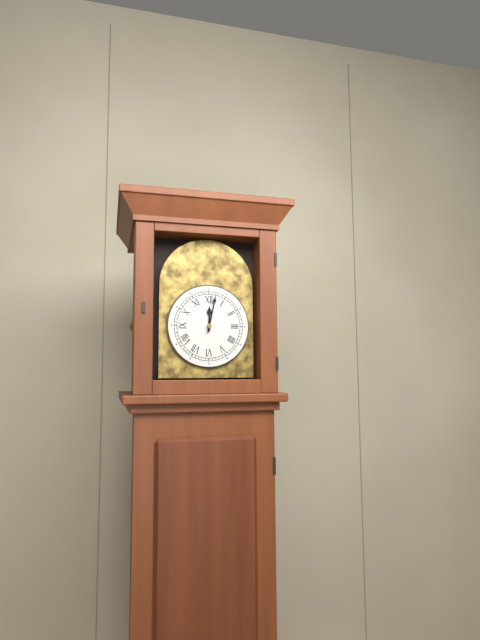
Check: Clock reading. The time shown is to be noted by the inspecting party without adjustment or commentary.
12:02
